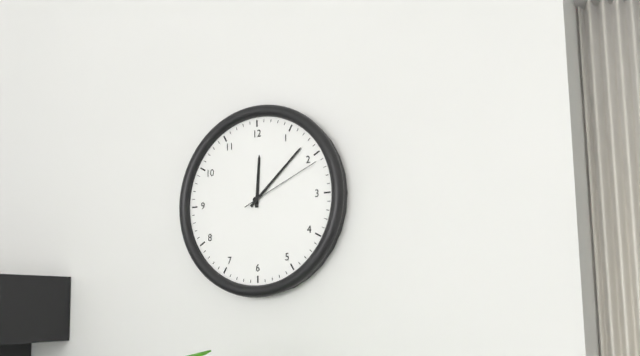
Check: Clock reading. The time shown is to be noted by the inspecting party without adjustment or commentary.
12:08:11
